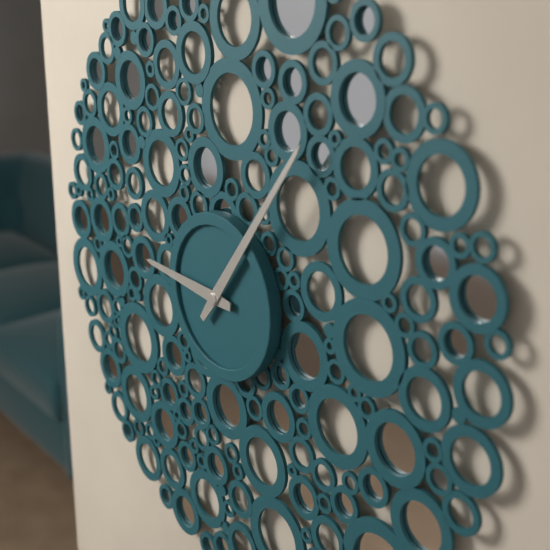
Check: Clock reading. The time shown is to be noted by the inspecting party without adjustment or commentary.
9:06
